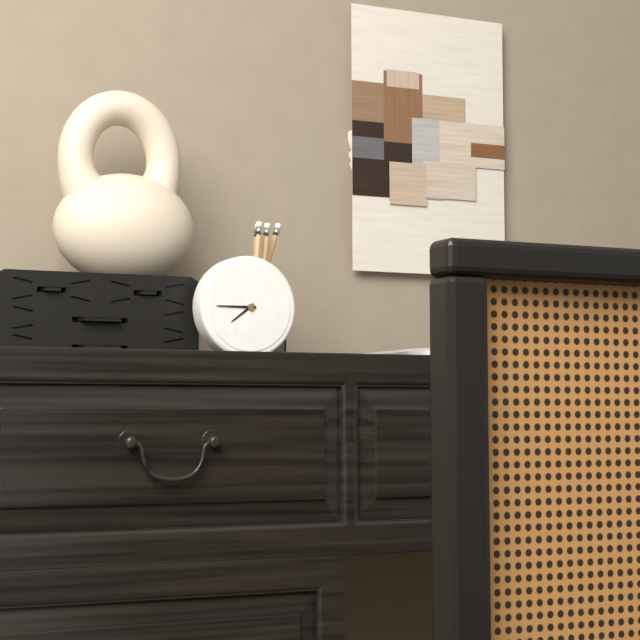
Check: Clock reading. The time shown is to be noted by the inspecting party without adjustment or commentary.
7:45
